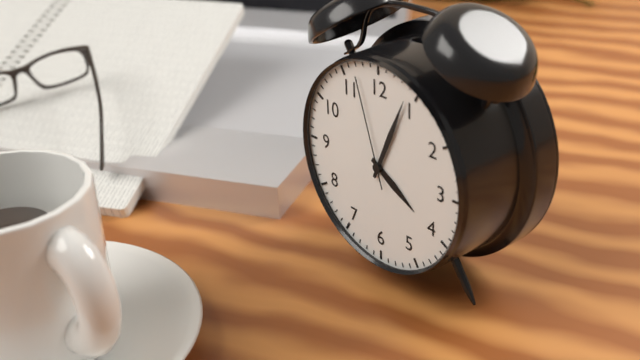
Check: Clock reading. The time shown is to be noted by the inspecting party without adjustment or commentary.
4:04:57
